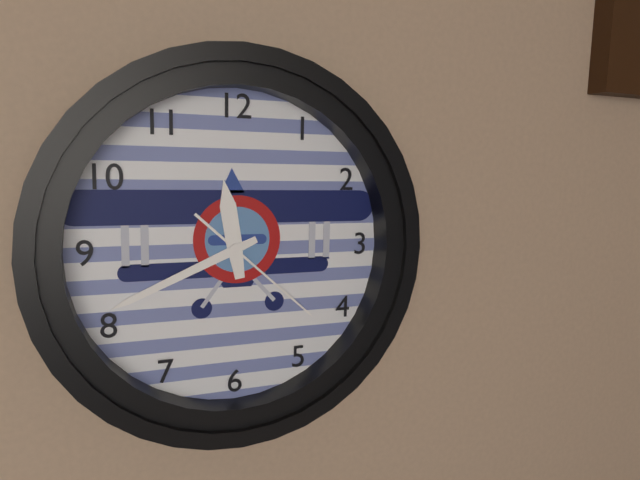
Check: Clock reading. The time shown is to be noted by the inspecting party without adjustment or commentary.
11:41:22
